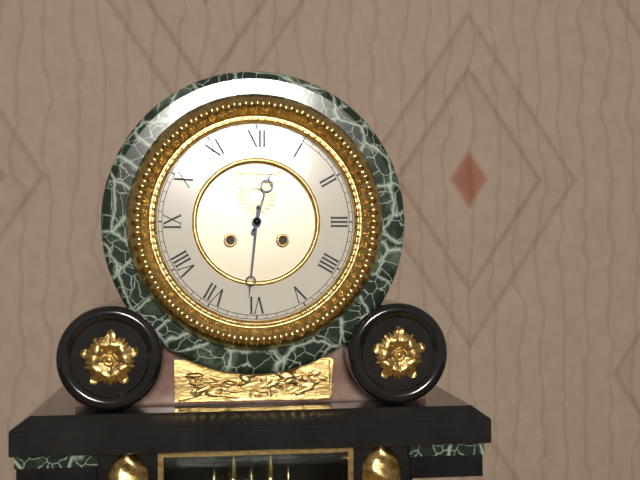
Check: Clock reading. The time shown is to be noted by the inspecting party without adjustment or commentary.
12:31
